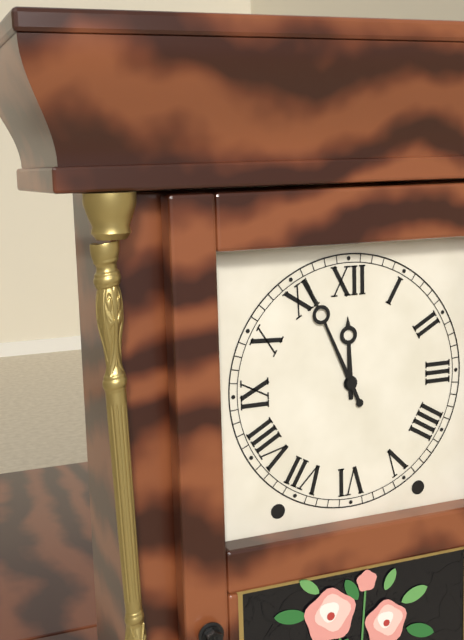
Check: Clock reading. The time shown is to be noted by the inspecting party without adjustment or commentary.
11:56
